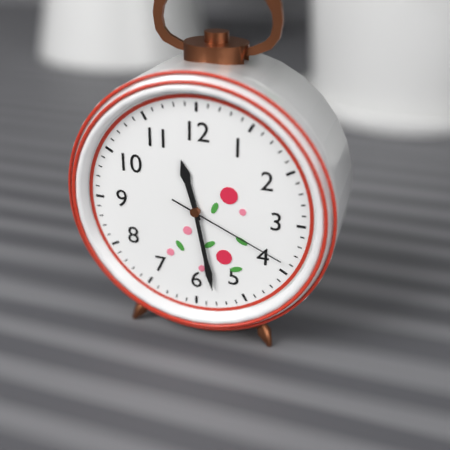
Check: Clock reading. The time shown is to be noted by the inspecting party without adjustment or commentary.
11:28:19
